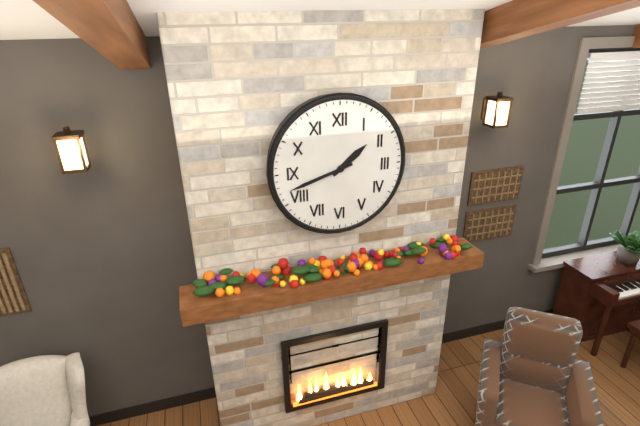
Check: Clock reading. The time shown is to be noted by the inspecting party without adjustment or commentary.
1:42
